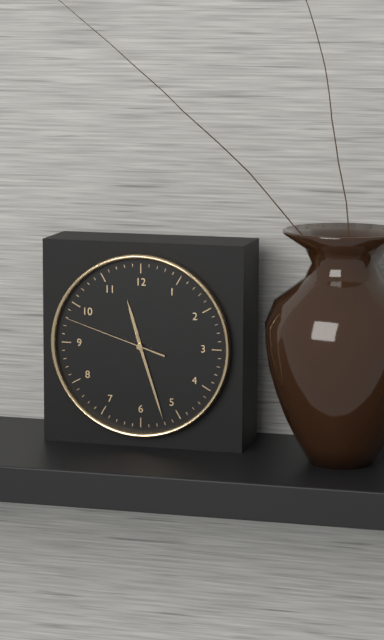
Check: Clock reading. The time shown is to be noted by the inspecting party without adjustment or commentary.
11:27:48
